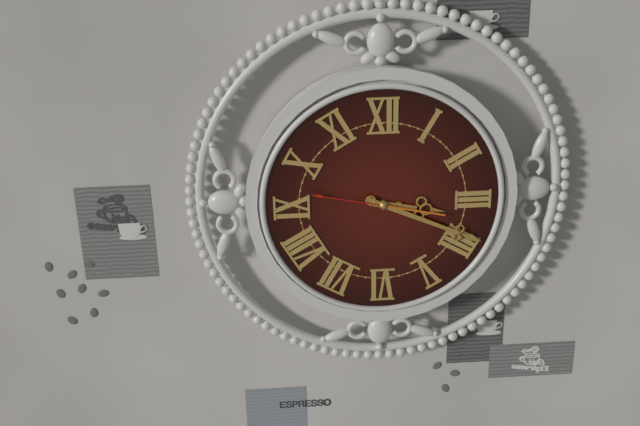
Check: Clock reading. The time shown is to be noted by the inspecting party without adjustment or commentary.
3:19:47
